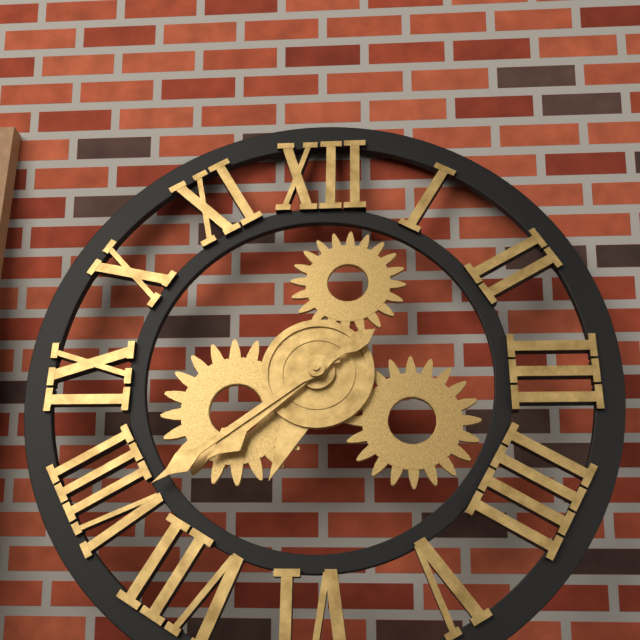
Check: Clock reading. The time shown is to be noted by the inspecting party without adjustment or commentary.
7:39
